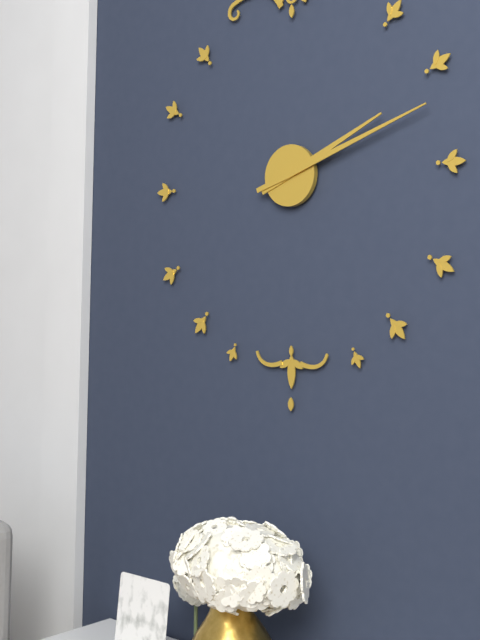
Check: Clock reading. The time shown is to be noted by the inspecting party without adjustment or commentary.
2:12
